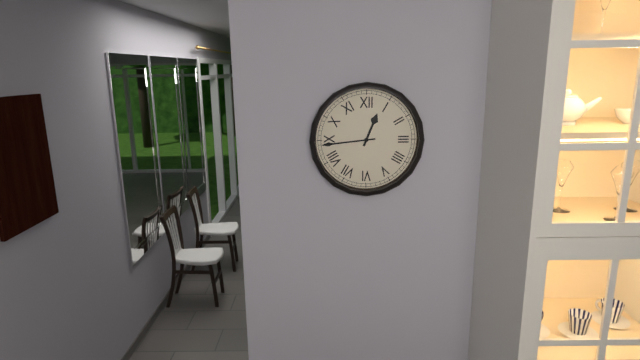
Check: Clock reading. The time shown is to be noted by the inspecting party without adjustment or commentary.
12:44
